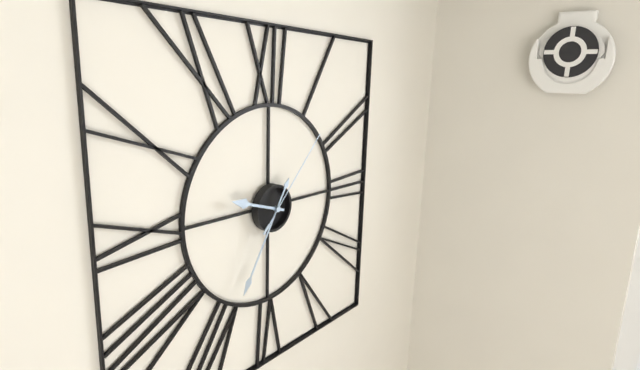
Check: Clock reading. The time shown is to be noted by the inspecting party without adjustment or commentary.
9:35:07
